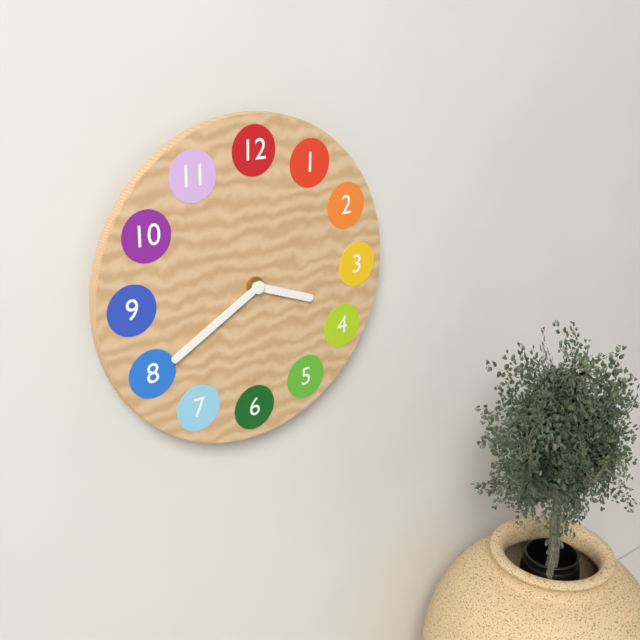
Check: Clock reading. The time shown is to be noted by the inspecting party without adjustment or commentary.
3:40
